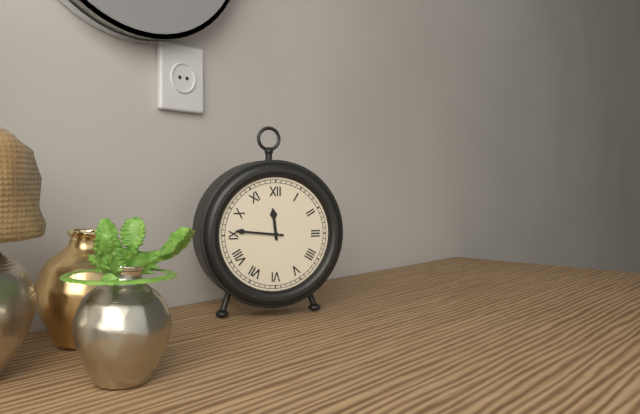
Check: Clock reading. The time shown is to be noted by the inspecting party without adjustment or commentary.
11:46
